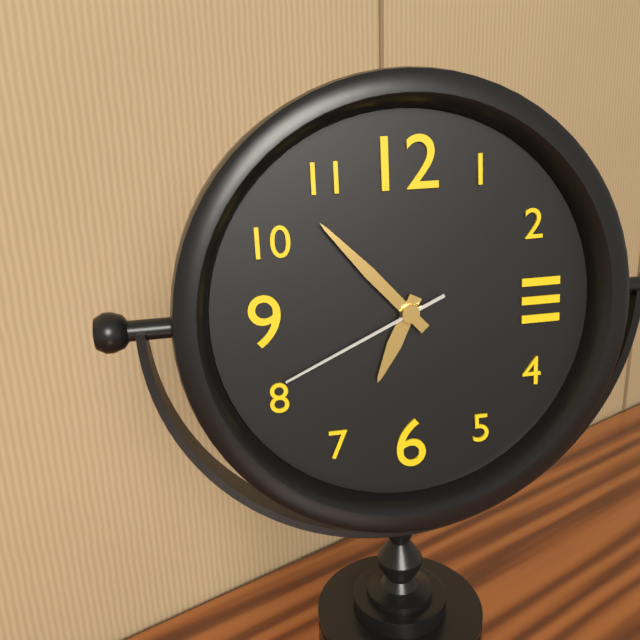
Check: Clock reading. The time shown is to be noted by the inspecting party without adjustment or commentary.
6:53:41
